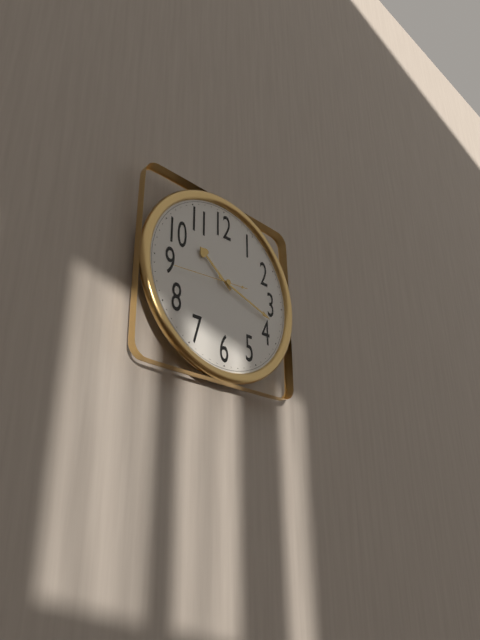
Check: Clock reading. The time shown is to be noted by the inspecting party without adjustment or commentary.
10:18:44
